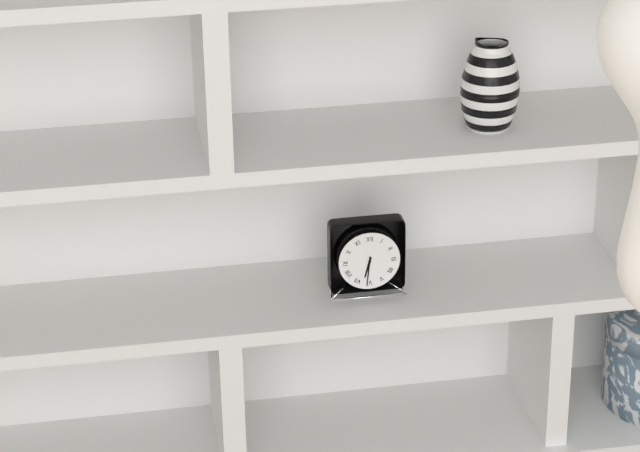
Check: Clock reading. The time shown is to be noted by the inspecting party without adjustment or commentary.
6:31
